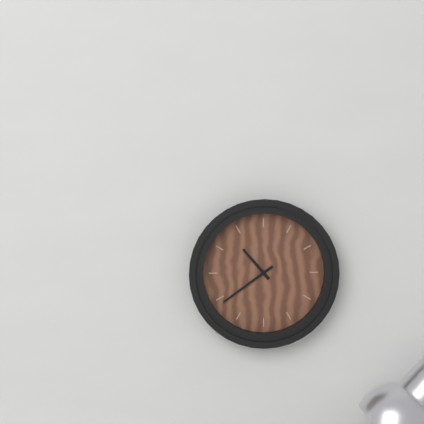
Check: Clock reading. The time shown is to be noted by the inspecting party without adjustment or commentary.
10:39
